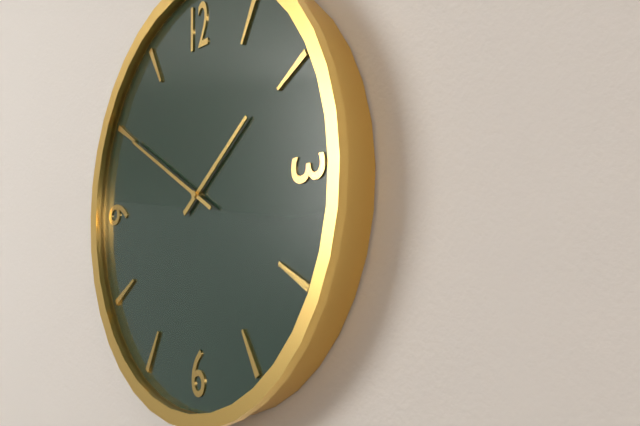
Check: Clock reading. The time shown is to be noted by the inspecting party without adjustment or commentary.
1:50
